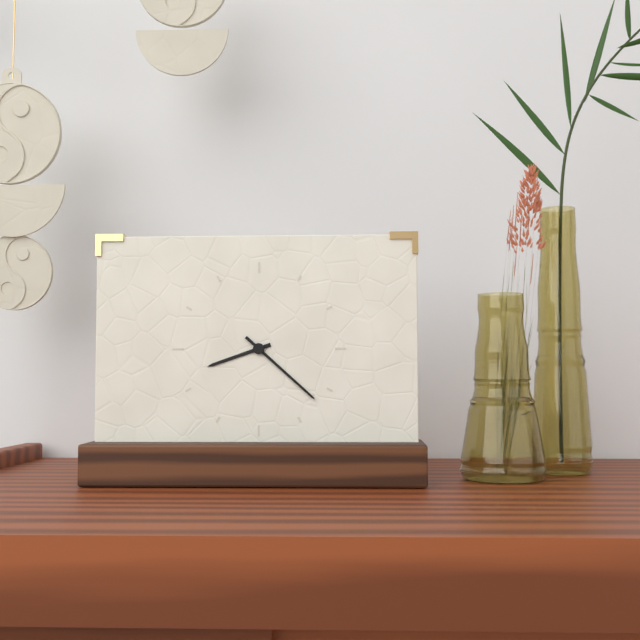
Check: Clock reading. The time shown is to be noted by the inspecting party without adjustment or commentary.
8:22
